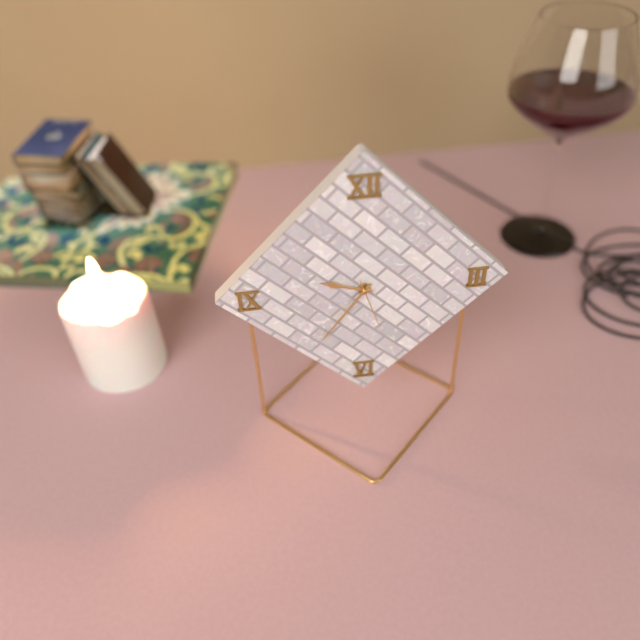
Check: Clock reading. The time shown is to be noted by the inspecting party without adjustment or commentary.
9:36:27
